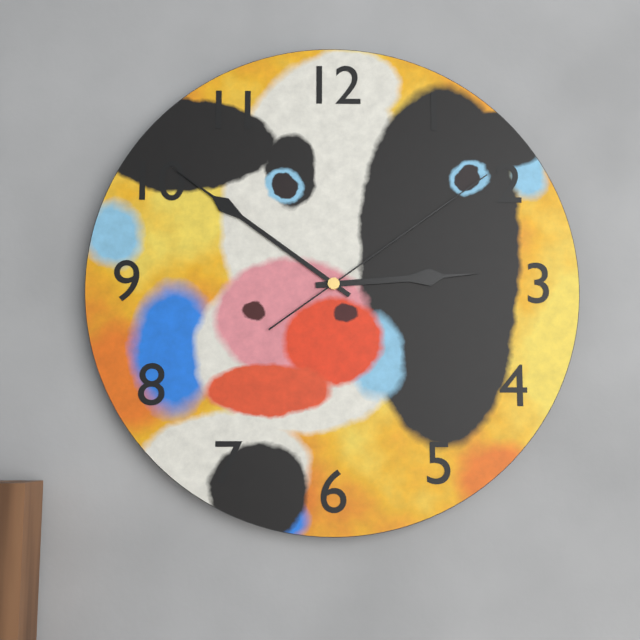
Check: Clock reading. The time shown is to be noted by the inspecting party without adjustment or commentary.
2:51:09
